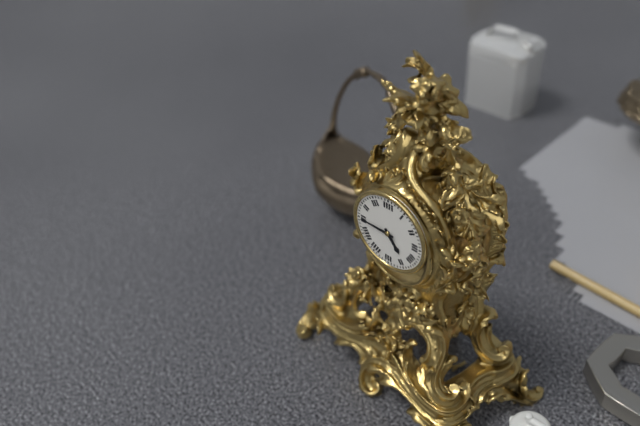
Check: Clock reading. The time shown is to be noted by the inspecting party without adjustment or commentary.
4:45
